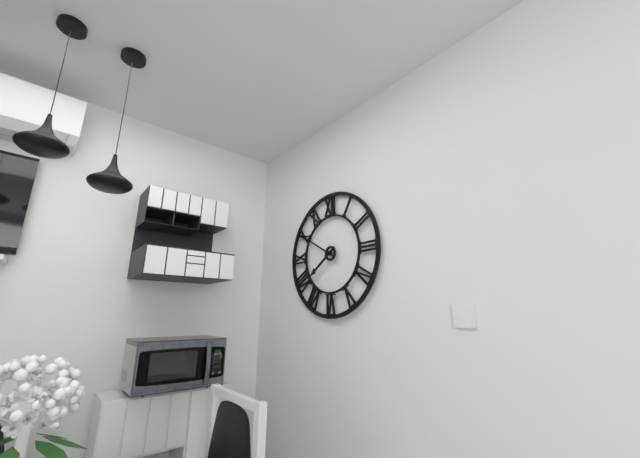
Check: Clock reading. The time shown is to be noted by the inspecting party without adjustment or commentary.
7:50
